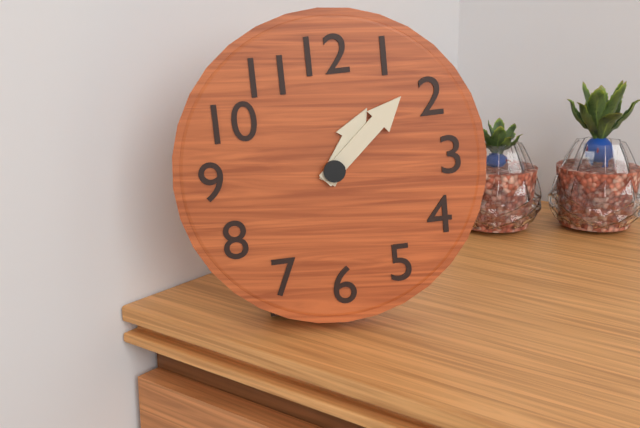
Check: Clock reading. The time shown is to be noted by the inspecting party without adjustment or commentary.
1:08
